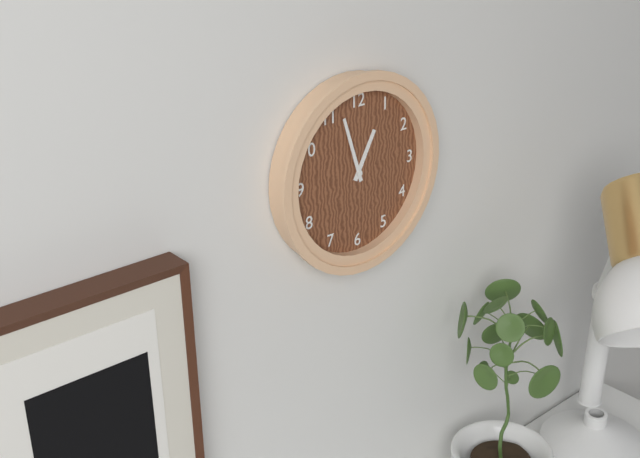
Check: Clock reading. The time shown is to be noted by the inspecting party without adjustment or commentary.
12:57
